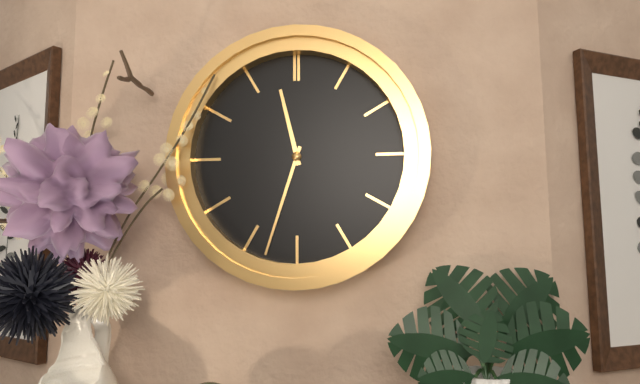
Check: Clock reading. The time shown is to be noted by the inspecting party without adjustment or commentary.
11:33
